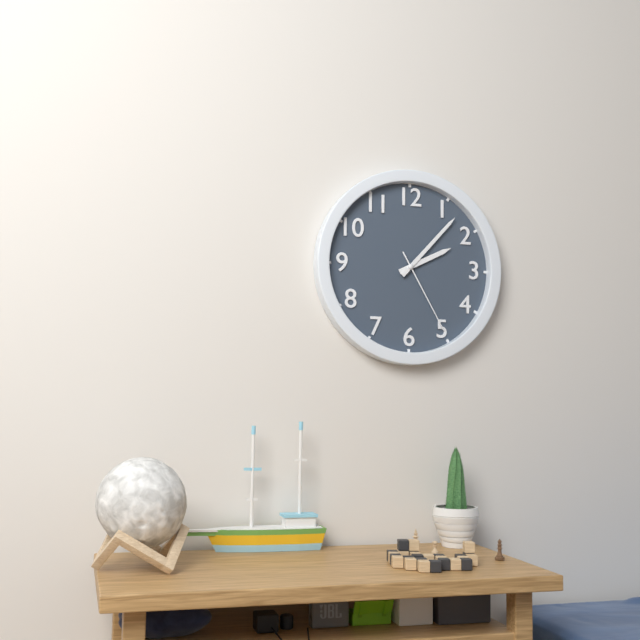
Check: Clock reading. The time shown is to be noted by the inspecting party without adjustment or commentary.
2:07:25
